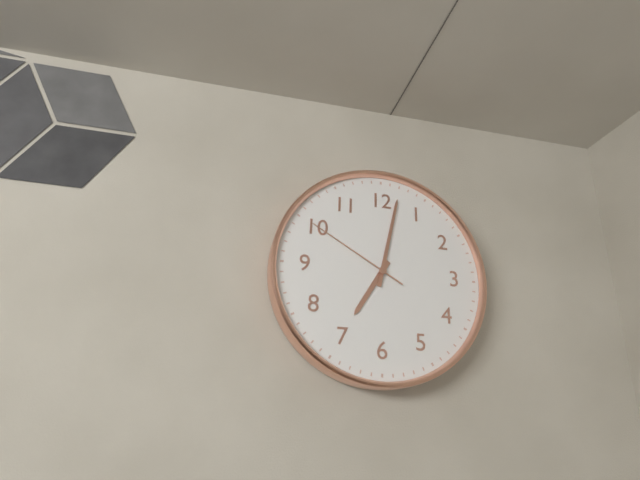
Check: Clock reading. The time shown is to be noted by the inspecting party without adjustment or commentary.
7:02:50
